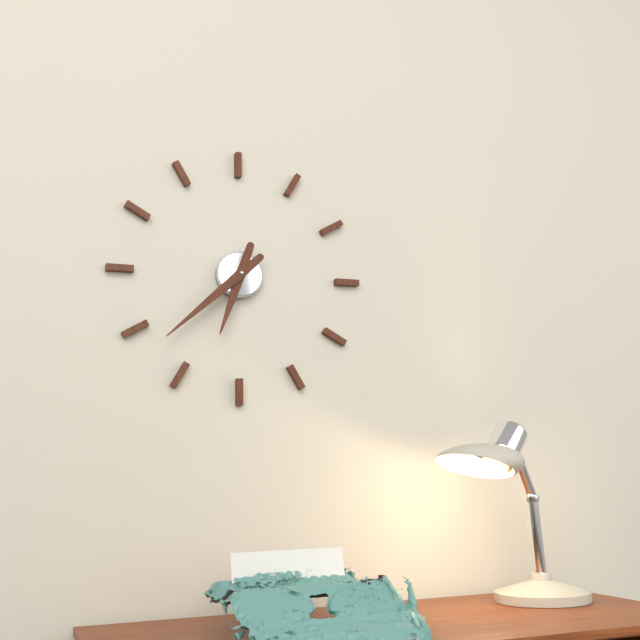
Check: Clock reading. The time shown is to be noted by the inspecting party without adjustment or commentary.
6:38
